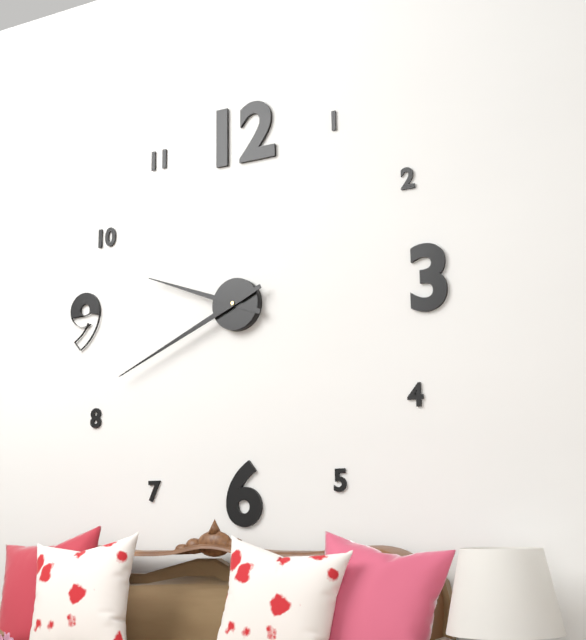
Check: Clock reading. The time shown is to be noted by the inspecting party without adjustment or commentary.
9:41
